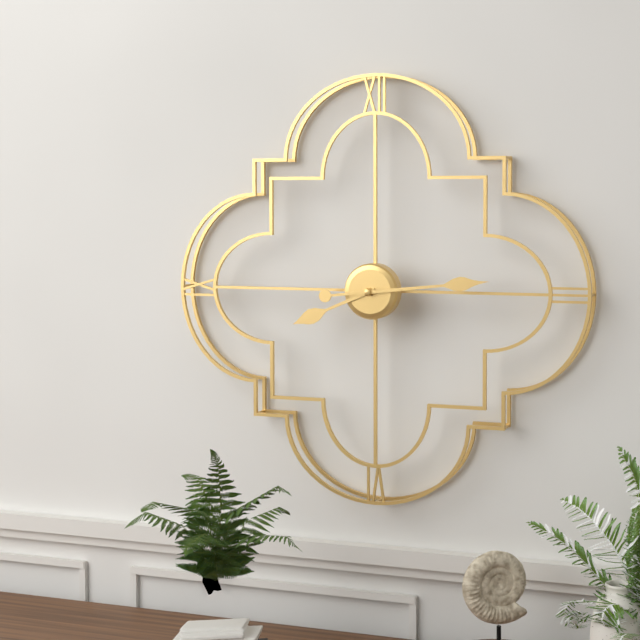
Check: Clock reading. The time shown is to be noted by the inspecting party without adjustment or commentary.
8:14
